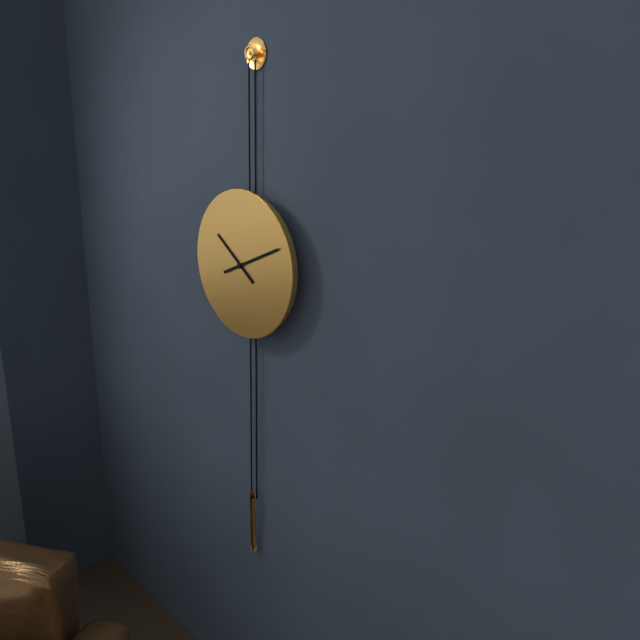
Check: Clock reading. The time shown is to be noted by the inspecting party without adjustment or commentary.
10:11
